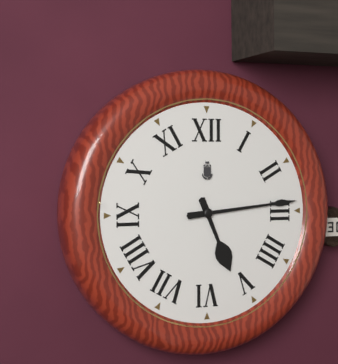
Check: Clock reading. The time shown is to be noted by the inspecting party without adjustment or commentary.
5:14
